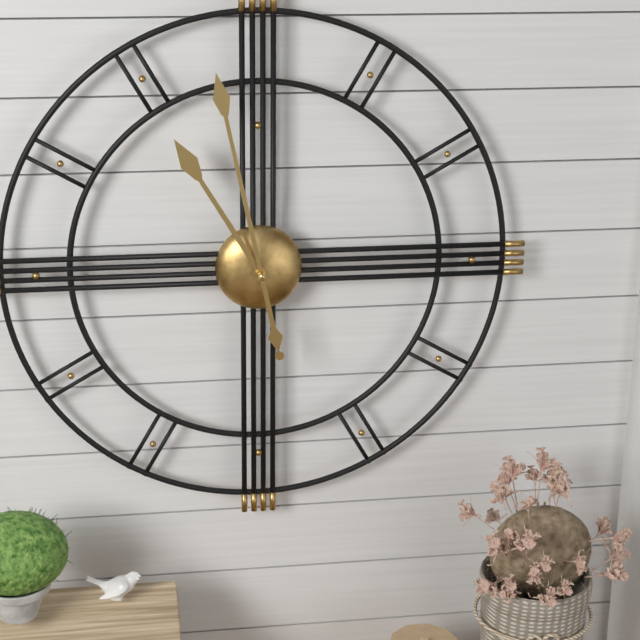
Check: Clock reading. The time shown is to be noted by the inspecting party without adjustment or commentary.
10:58
